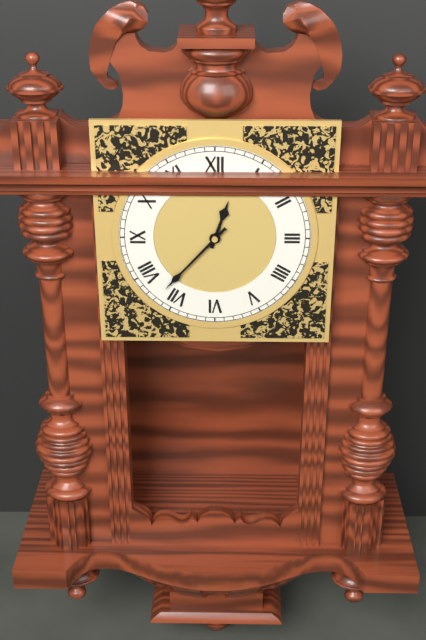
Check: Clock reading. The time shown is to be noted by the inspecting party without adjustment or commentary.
12:37
